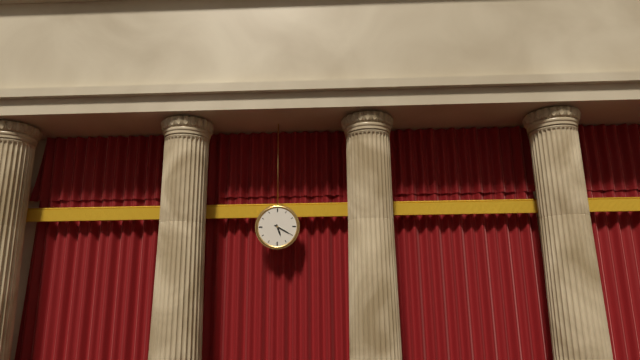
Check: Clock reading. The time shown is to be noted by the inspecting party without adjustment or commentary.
5:20
